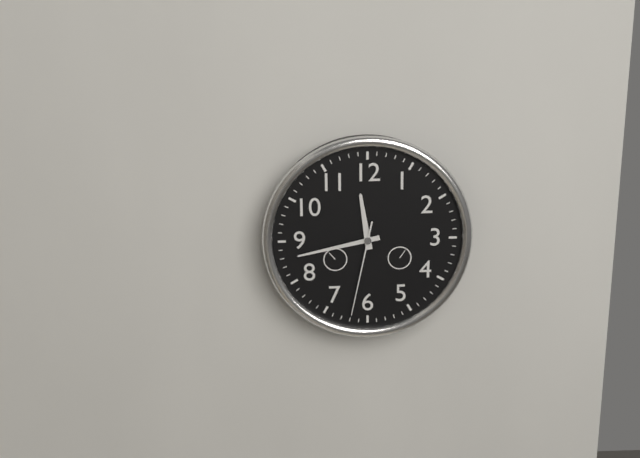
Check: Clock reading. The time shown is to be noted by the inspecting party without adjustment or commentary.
11:43:32
